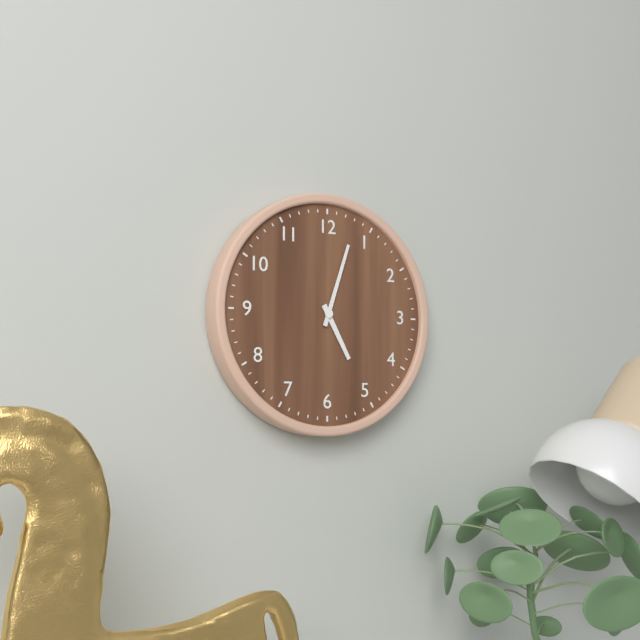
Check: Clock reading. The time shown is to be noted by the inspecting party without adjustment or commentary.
5:03
